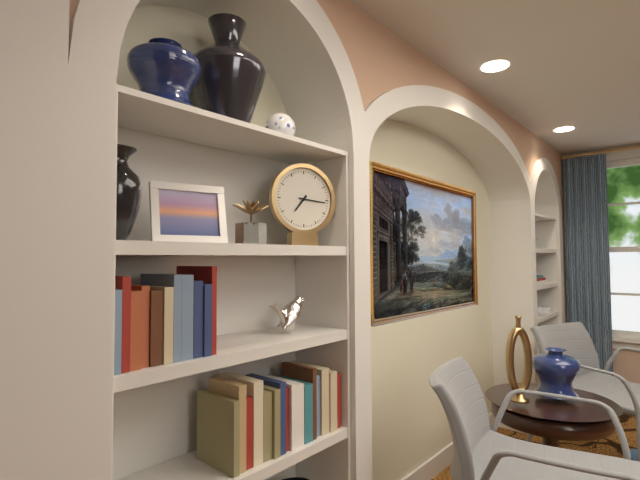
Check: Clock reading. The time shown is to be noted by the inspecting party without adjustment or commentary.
7:16
